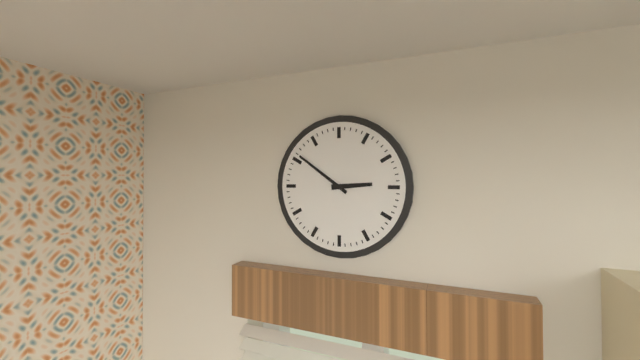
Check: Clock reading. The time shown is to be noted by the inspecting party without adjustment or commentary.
2:51
